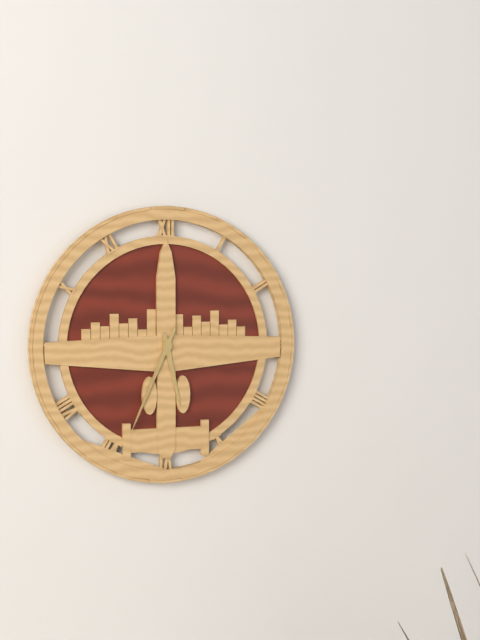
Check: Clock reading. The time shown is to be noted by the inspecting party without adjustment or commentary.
5:34
